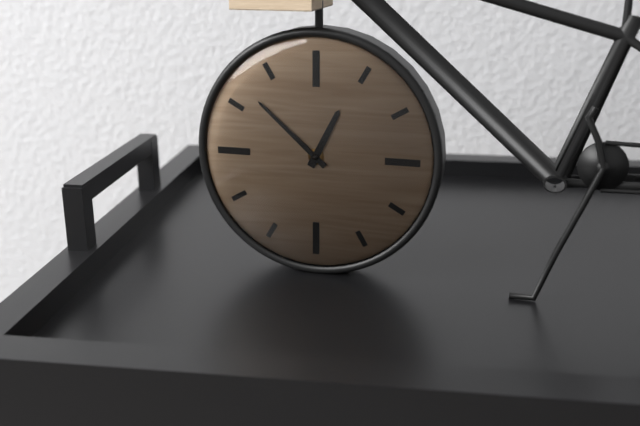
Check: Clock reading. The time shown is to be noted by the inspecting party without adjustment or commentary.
12:52
